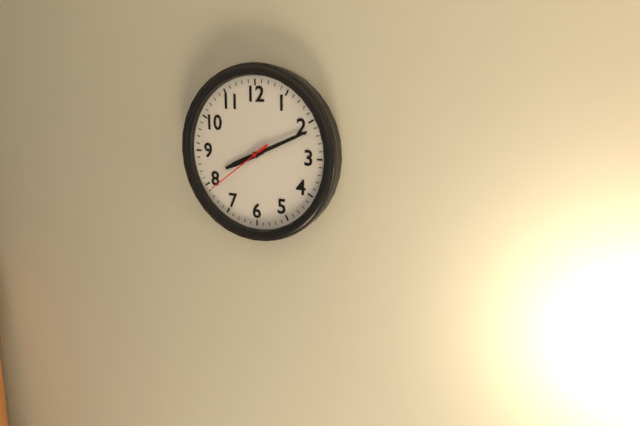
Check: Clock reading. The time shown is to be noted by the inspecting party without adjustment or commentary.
8:11:39
